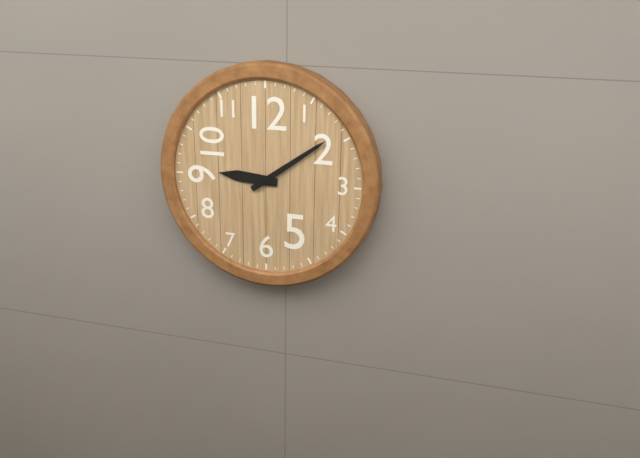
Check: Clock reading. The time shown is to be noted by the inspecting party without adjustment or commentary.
9:09
